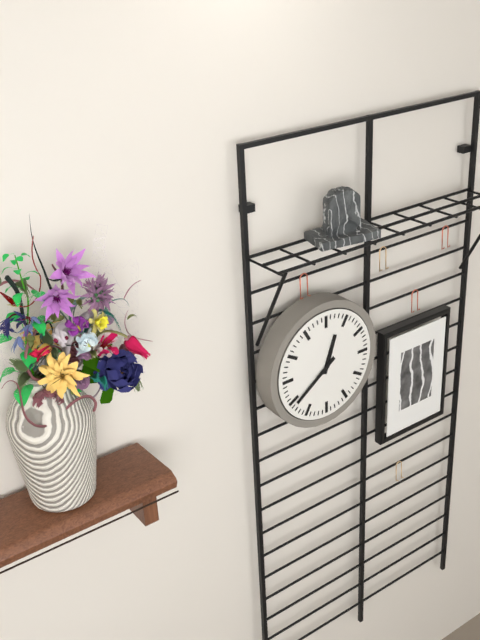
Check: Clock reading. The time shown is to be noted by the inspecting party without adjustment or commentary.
12:39
